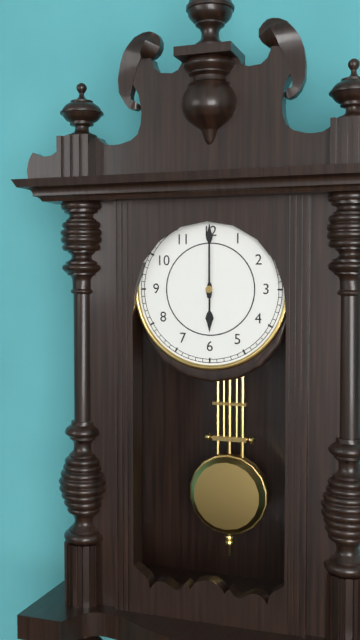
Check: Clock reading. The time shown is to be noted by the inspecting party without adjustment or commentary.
6:00
